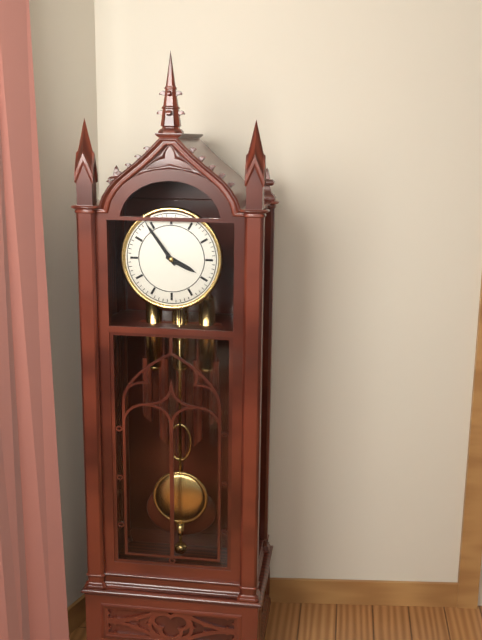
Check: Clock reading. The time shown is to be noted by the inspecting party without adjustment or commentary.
3:54
